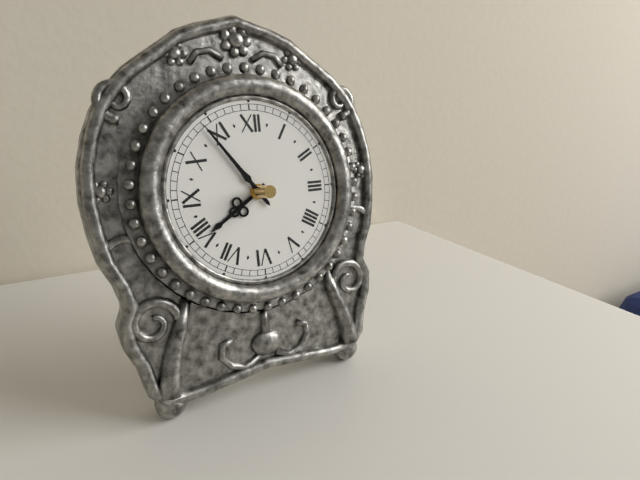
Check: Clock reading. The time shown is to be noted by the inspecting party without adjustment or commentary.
7:54
